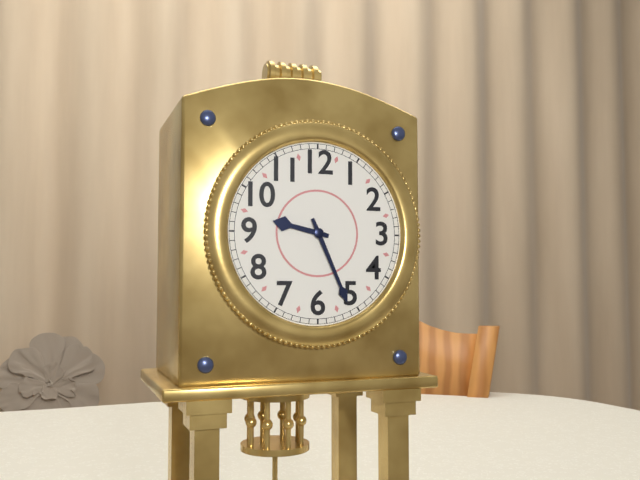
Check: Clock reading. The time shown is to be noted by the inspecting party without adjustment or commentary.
9:26
